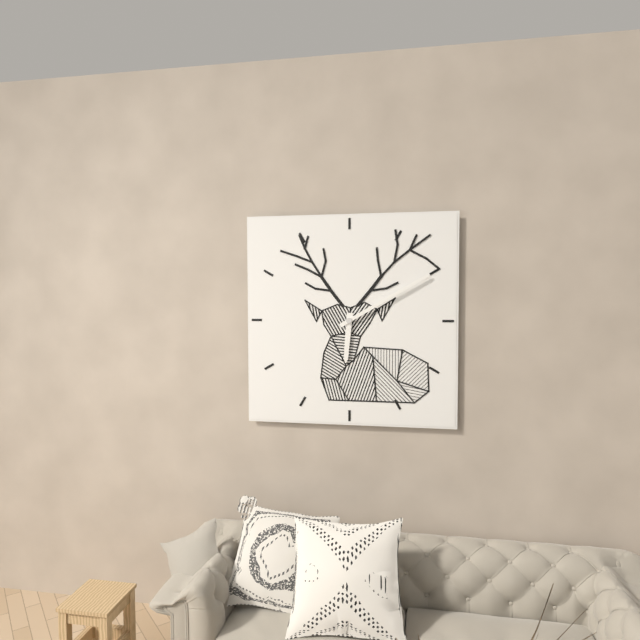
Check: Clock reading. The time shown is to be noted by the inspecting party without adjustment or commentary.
6:10
